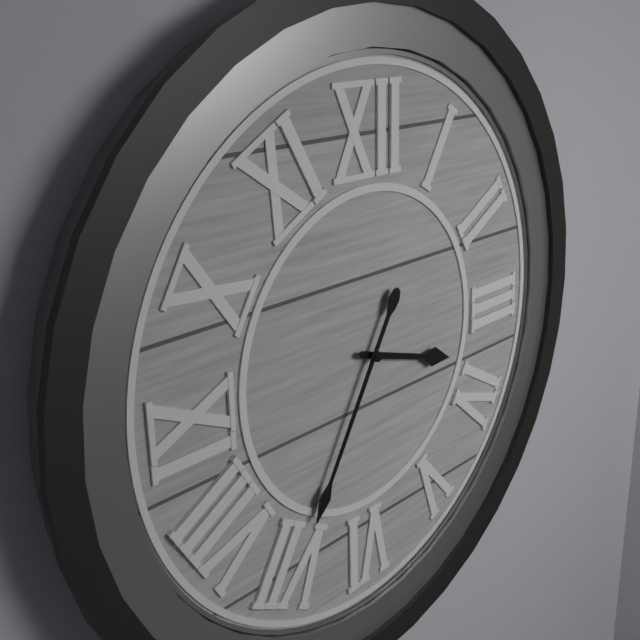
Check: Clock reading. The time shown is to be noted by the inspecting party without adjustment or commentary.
3:35
